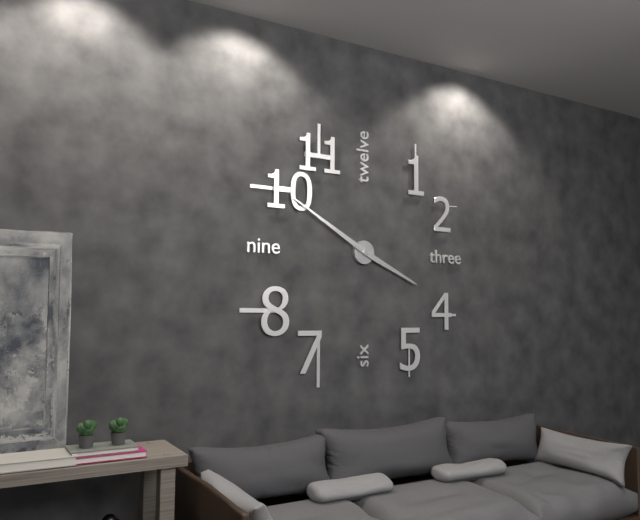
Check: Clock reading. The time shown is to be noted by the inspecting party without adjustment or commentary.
3:50
